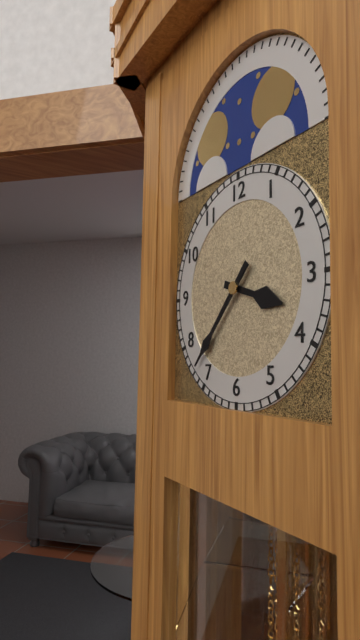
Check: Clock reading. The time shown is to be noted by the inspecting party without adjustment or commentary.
3:37
